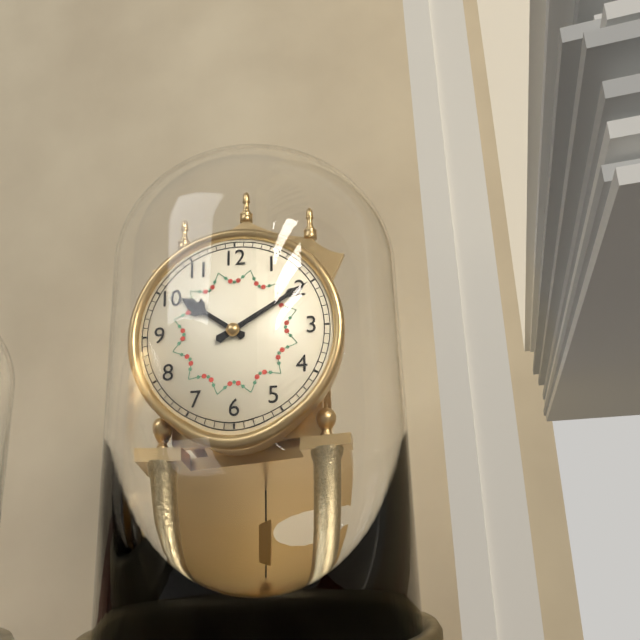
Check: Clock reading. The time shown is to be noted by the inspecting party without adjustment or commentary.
10:10
